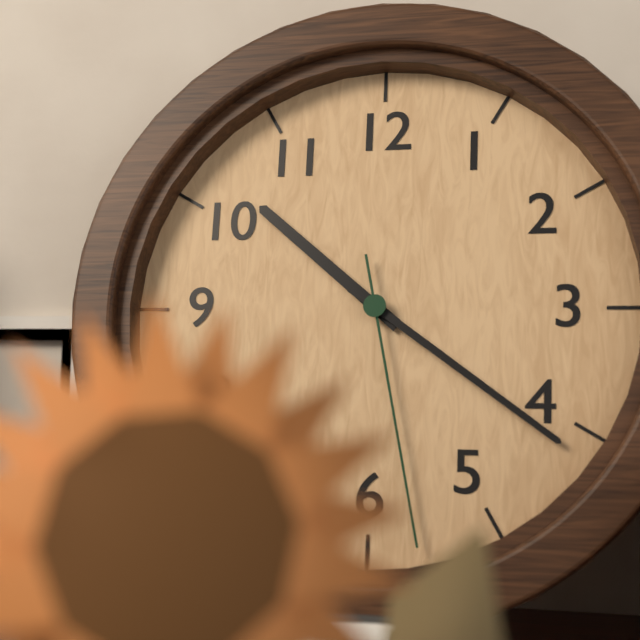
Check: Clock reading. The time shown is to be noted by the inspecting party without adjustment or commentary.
10:21:28
